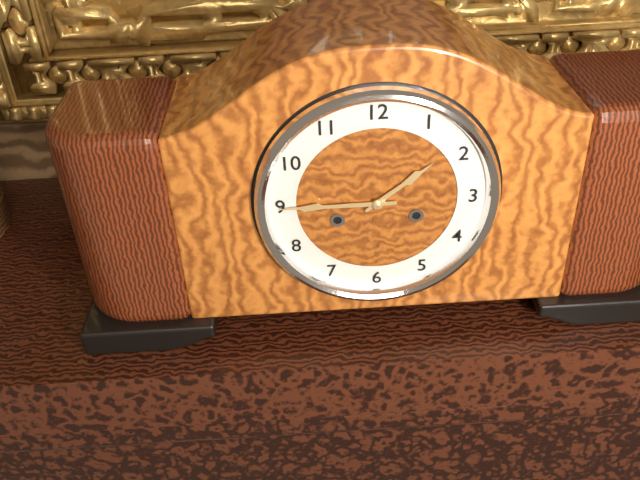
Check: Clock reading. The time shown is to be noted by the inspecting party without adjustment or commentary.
1:45
